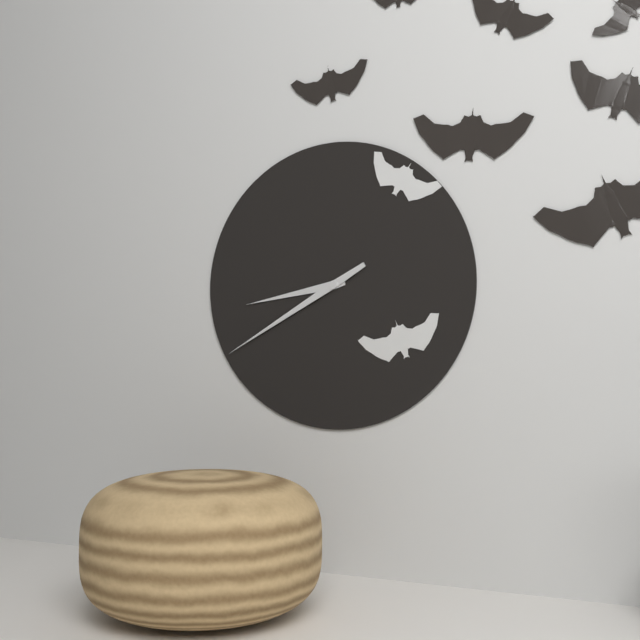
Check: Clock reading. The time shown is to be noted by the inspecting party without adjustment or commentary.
8:40
